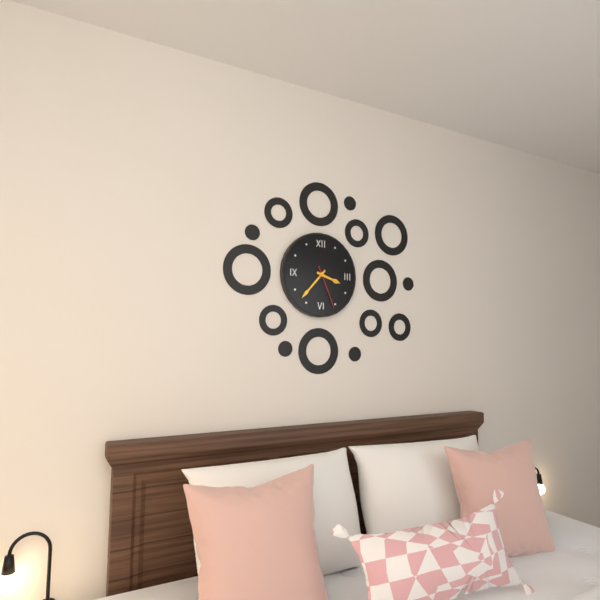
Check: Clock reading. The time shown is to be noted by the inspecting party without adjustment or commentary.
3:37
